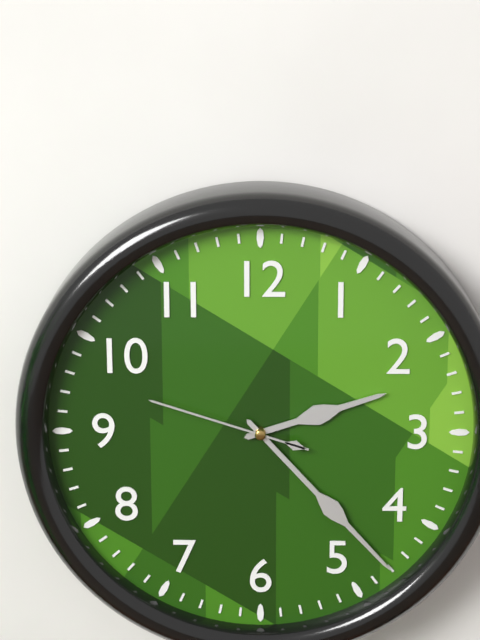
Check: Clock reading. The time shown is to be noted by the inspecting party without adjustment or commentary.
2:23:48
